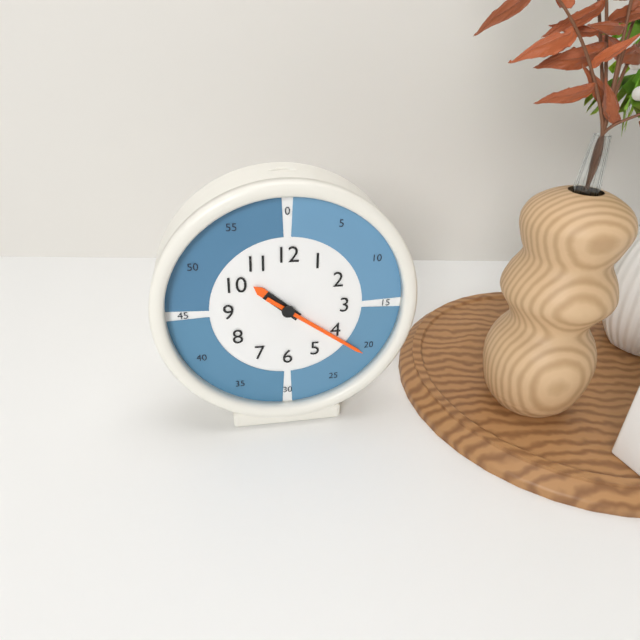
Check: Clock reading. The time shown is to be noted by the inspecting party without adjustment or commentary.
10:21
